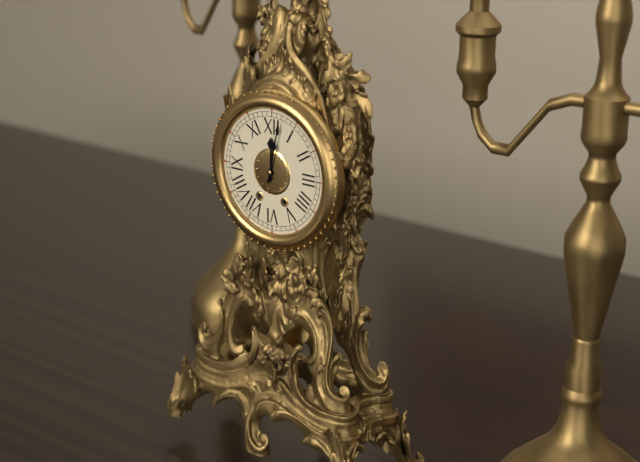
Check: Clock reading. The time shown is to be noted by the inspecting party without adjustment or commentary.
12:02
